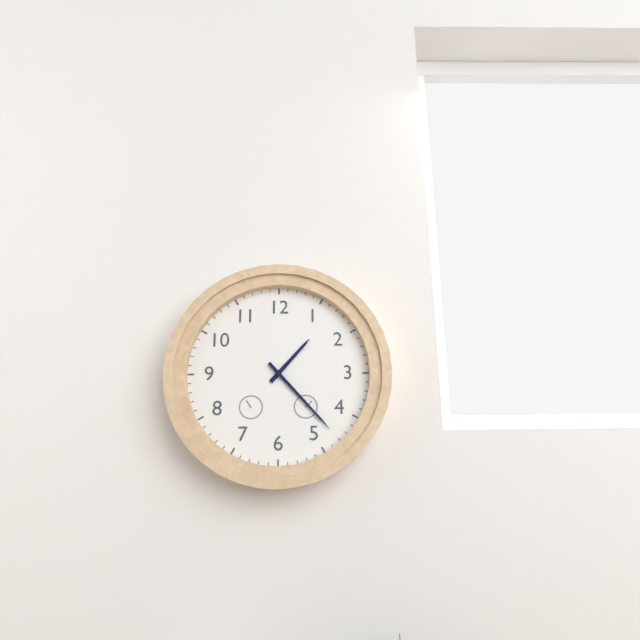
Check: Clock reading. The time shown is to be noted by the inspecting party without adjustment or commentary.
1:23
